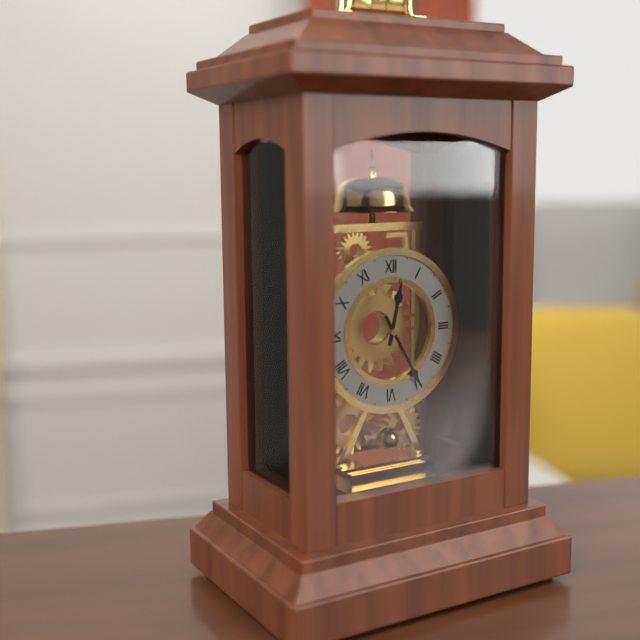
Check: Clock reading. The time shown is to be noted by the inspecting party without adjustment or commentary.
12:25
